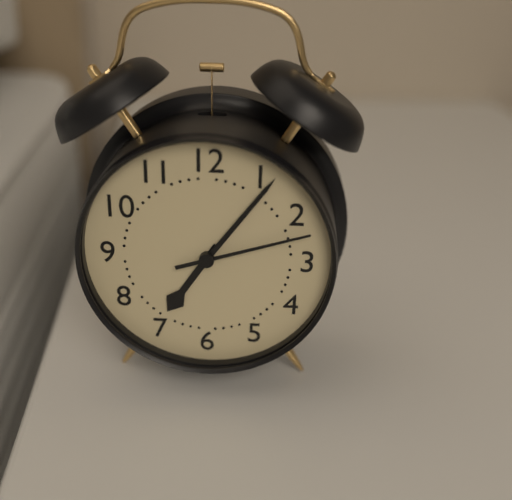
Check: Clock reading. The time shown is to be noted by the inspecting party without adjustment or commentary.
7:06:12
